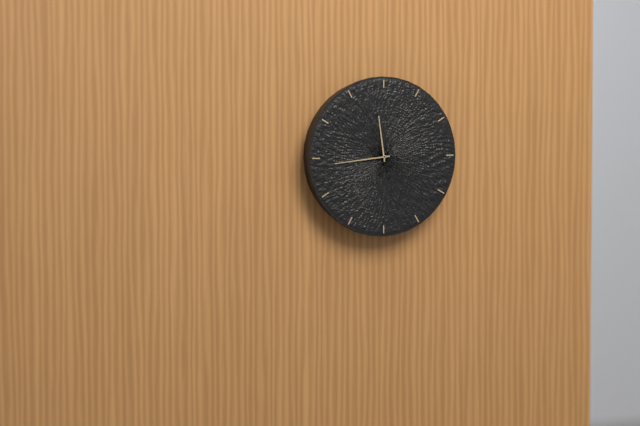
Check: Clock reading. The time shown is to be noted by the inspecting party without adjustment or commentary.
11:44
